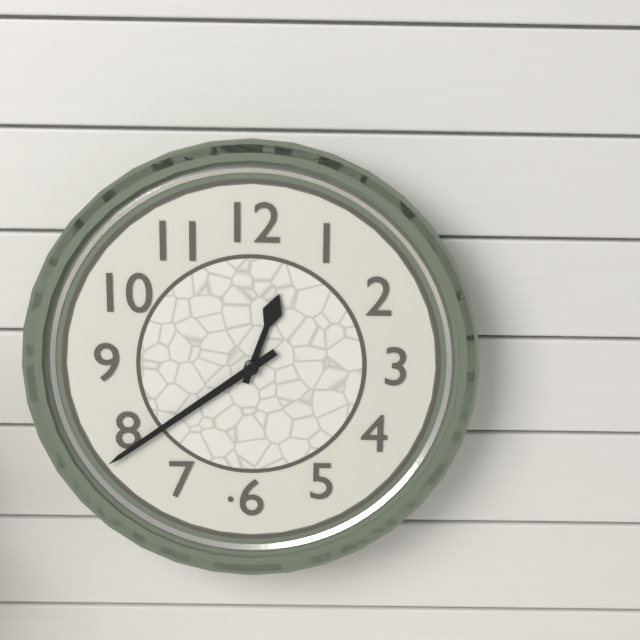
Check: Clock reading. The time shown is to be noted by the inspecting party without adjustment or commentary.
12:39
